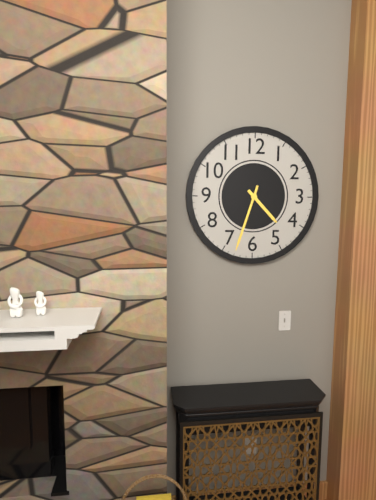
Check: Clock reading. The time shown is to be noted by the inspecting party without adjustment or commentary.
4:33
